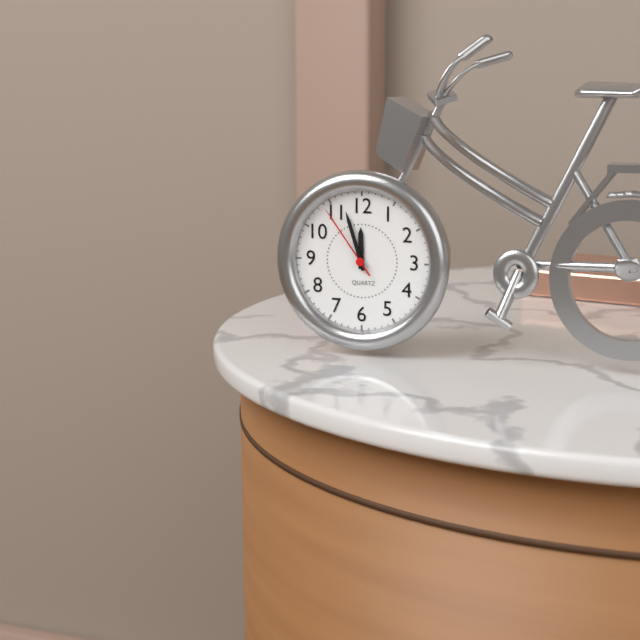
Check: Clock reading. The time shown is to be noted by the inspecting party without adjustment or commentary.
11:57:54
